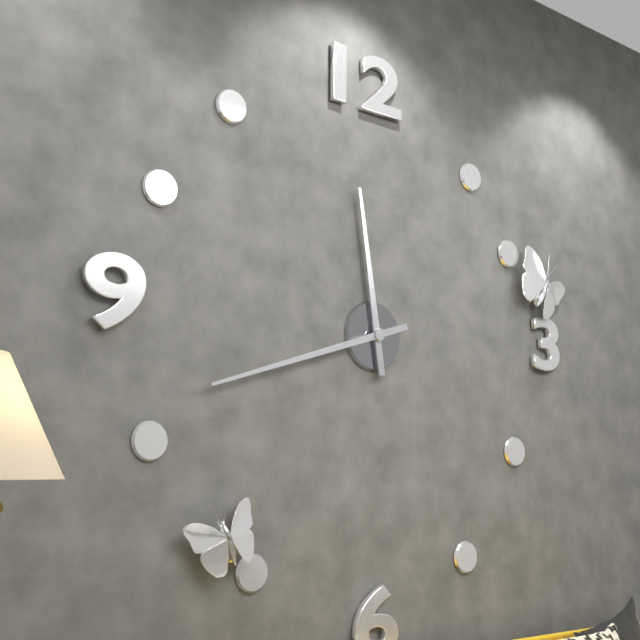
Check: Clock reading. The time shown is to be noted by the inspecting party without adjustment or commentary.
11:42
